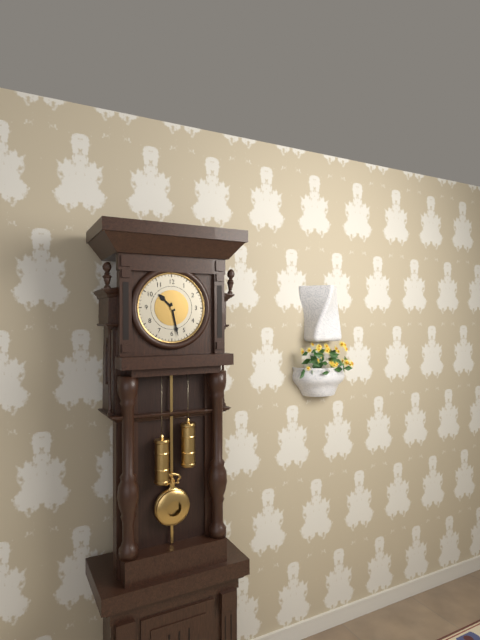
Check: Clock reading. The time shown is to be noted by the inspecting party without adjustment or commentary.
10:28
